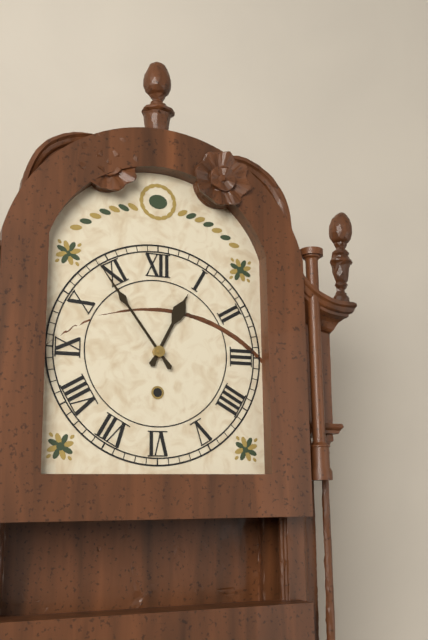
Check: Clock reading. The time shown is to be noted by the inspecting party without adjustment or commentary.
12:54
